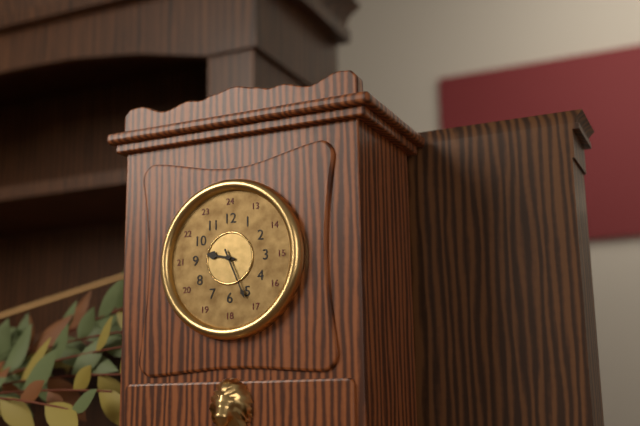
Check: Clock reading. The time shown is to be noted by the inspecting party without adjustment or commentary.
9:26
